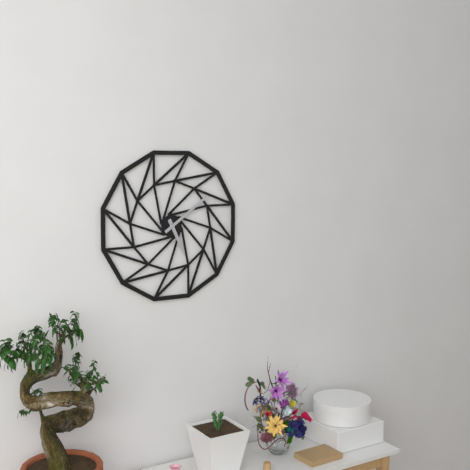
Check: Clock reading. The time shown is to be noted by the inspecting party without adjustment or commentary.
5:09
